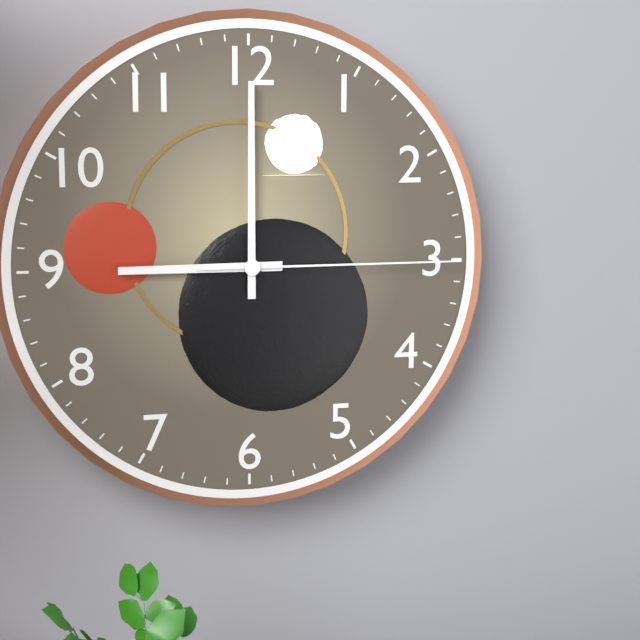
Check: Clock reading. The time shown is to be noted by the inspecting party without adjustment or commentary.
9:00:15
